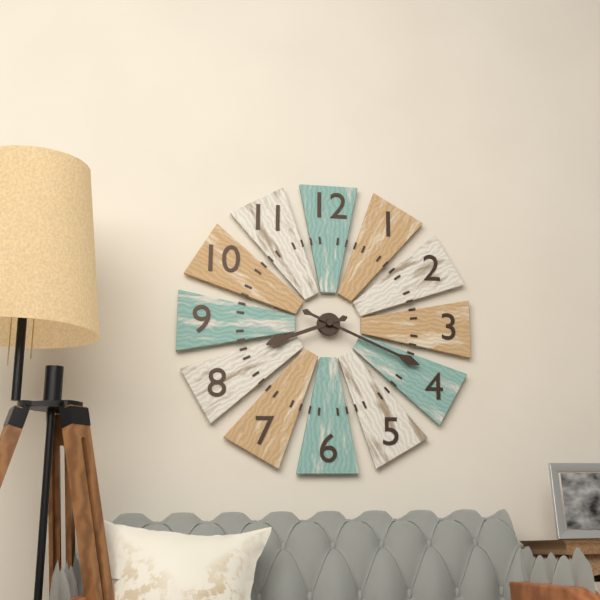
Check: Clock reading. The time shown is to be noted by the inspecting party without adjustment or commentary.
8:19
